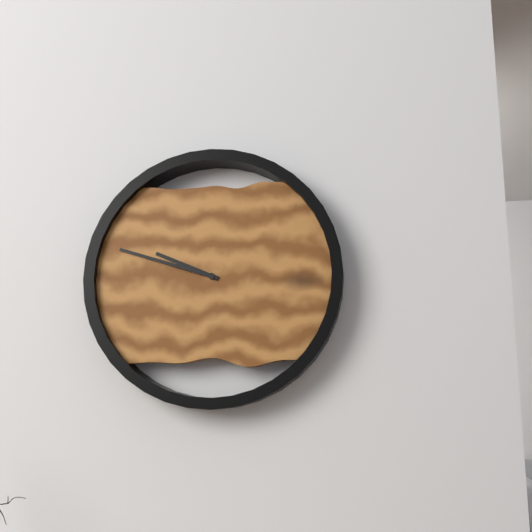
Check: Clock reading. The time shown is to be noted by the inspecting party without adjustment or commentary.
9:48
